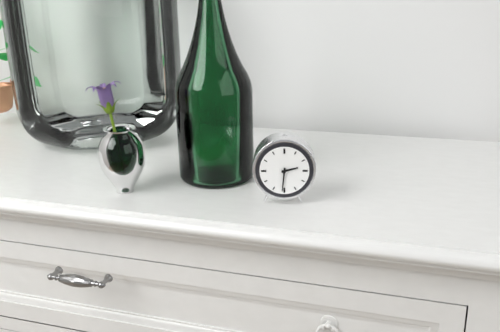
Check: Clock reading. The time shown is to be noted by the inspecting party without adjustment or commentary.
2:31
